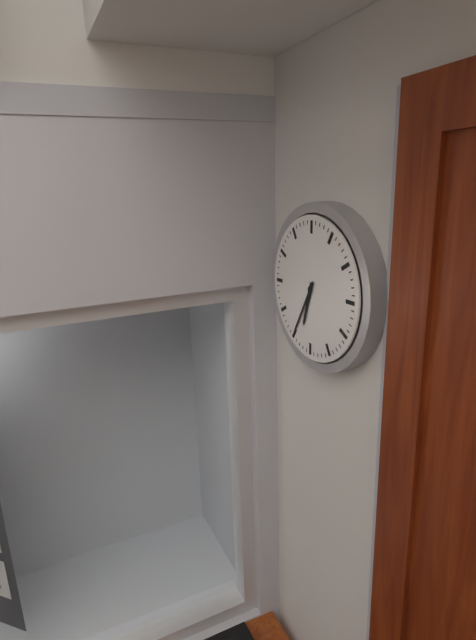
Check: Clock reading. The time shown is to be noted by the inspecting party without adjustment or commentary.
6:35
